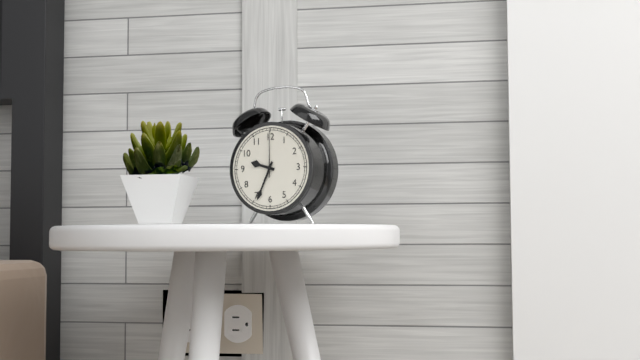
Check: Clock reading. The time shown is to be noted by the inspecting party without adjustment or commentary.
9:34
